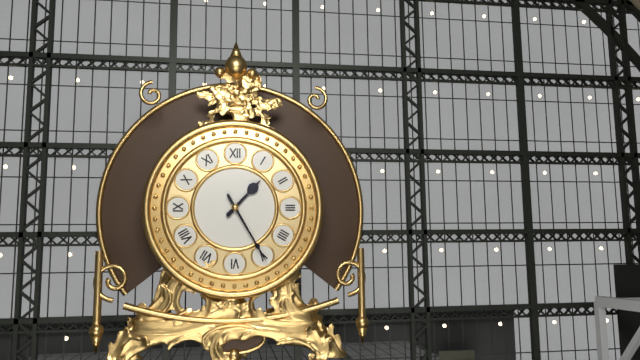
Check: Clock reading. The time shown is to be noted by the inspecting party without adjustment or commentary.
1:25
